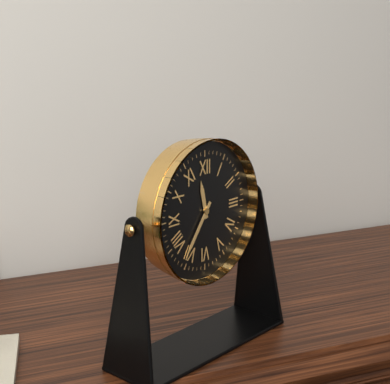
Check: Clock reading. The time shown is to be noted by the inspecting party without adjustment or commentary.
11:36
